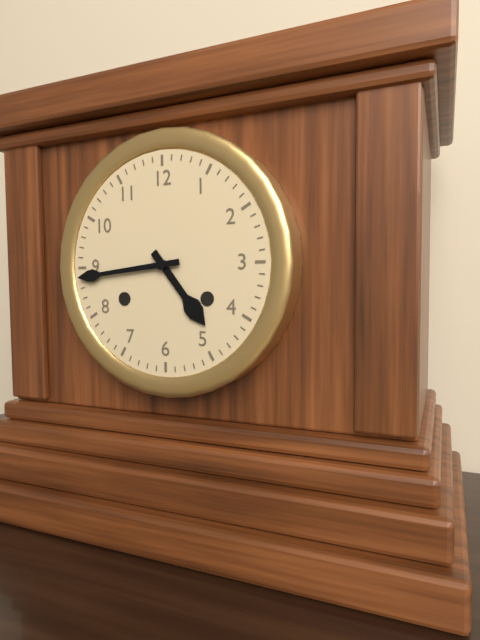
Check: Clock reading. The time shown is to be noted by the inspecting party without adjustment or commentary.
4:44
